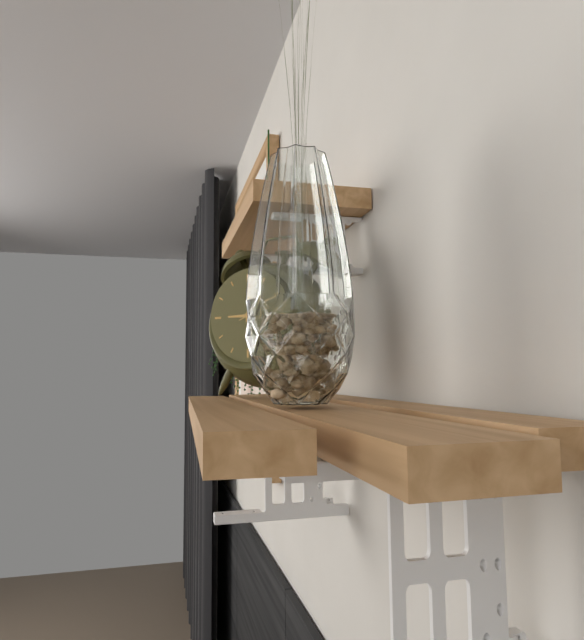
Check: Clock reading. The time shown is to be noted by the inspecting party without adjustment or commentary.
9:01
